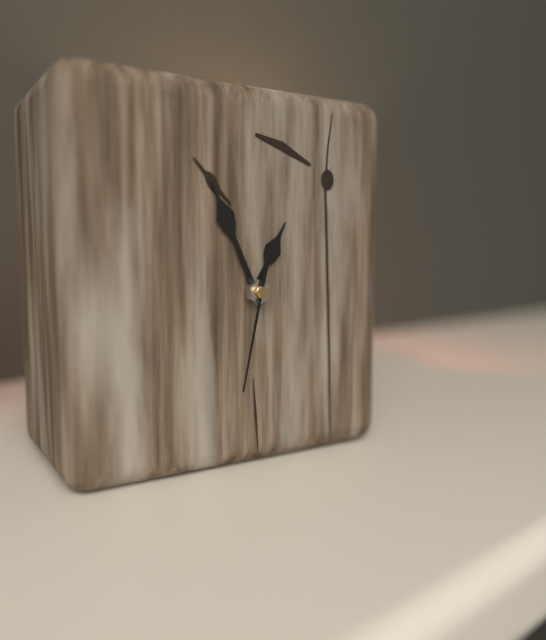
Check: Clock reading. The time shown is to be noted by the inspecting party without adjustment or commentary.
12:56:32
